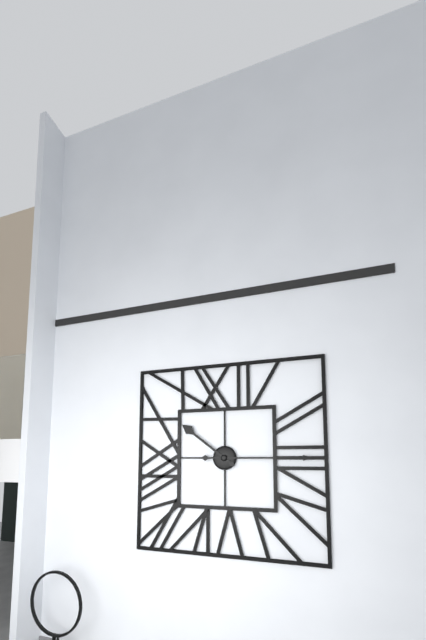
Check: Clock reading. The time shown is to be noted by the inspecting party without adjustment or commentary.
10:15
